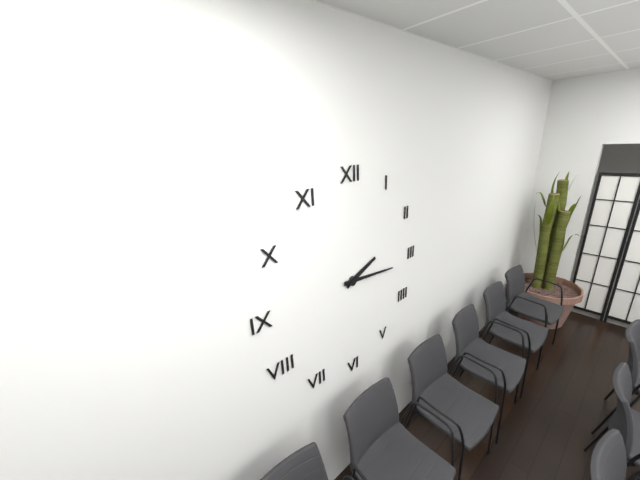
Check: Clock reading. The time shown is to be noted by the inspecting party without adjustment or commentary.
2:16
